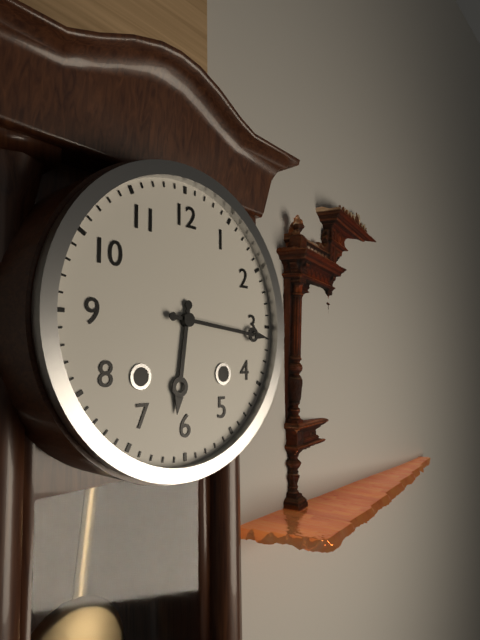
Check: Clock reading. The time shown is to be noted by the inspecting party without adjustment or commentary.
6:16
